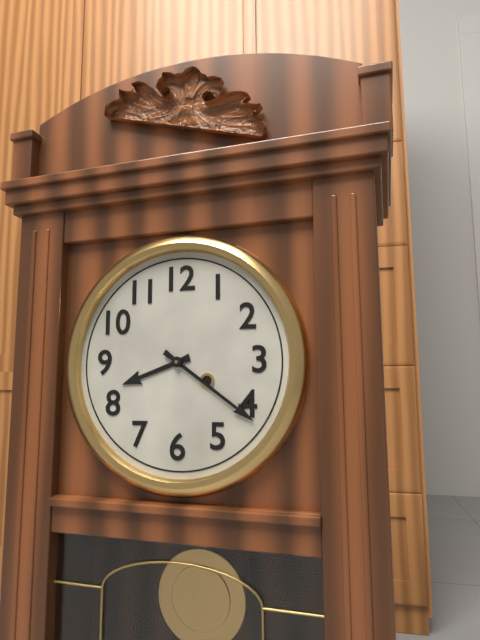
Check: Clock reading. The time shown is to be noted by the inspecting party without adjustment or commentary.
8:21
